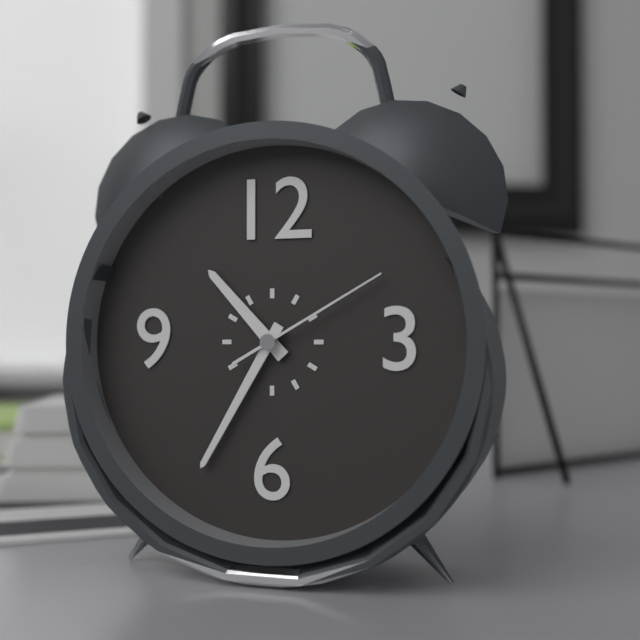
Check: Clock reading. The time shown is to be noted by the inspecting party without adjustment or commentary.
10:35:10
